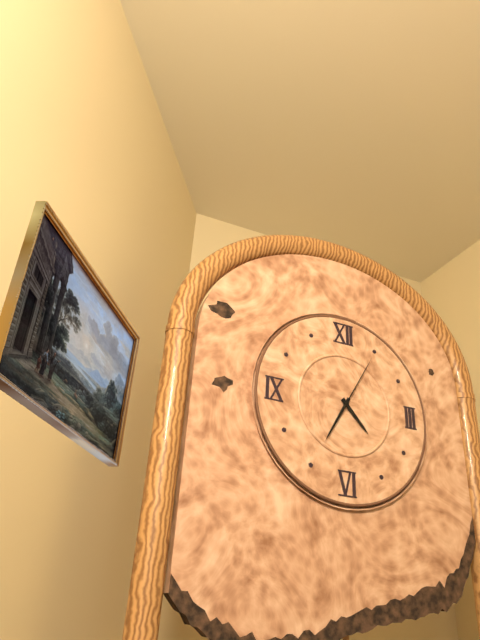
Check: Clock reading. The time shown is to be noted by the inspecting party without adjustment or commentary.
4:35:05
